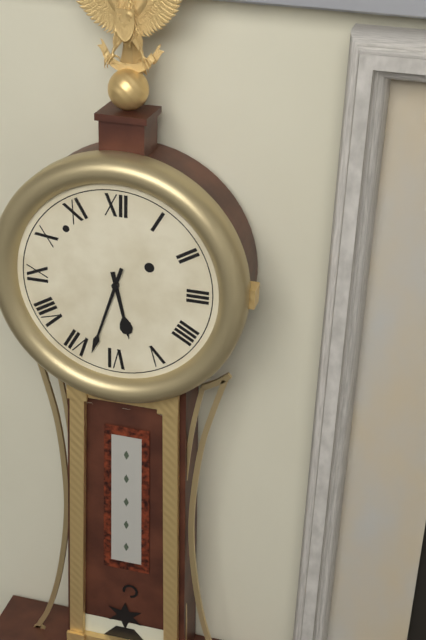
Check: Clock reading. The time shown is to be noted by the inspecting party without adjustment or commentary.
5:33
